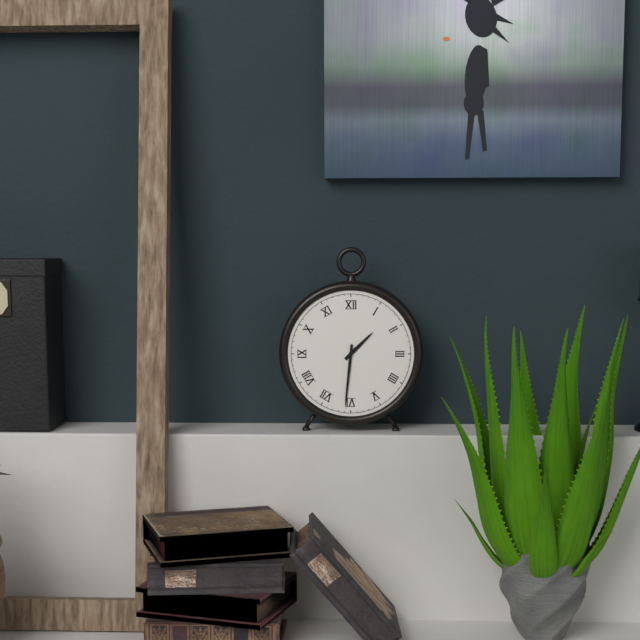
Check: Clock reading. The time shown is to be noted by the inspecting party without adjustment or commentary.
1:31
